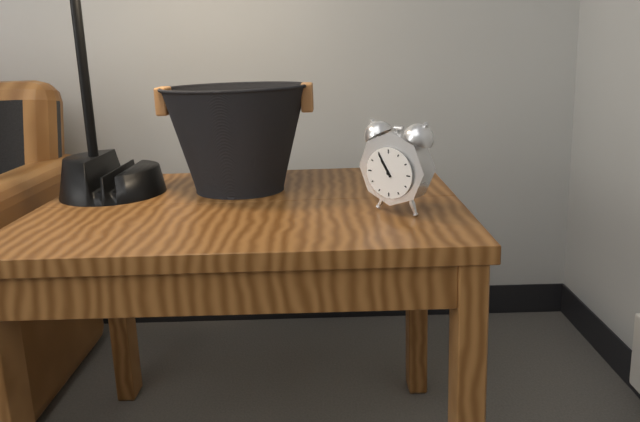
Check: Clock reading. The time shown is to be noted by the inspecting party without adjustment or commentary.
10:55
